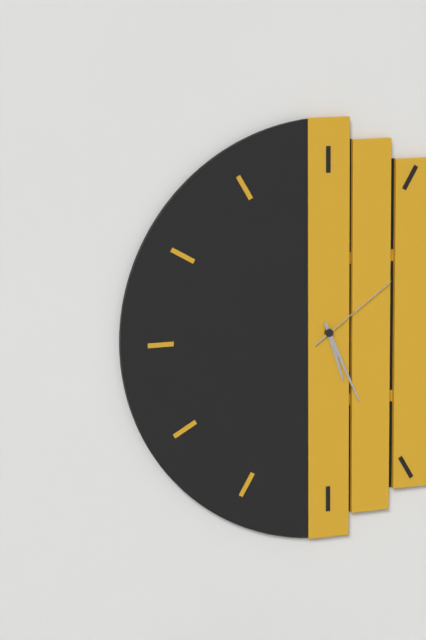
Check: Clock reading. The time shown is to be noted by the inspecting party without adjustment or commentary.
5:26:09
